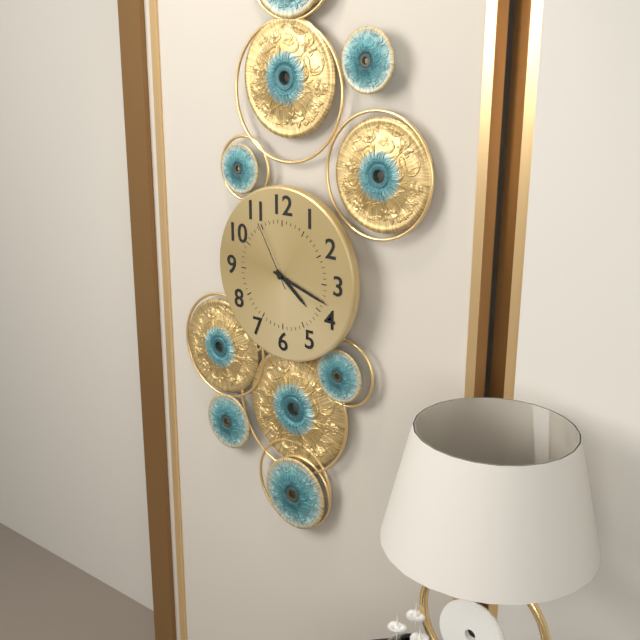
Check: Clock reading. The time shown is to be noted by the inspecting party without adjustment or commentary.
4:18:55
